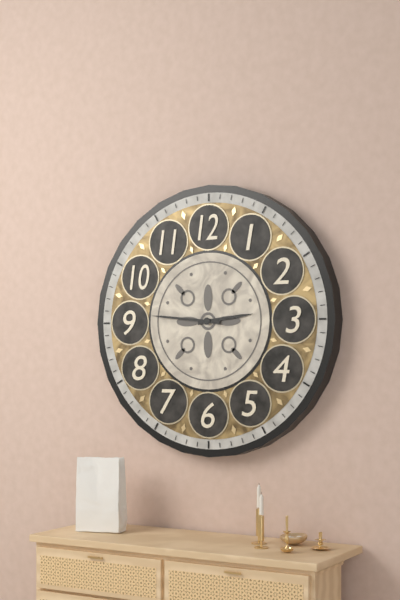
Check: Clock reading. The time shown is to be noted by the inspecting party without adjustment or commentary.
2:46
